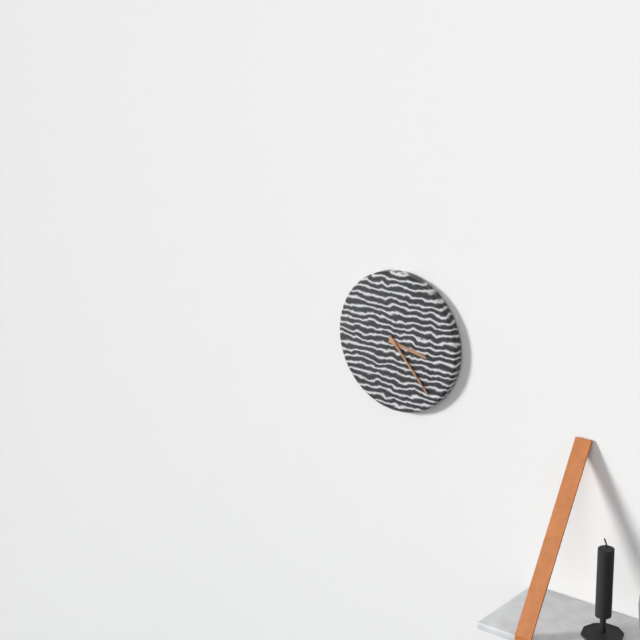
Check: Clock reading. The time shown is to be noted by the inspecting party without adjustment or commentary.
3:23
